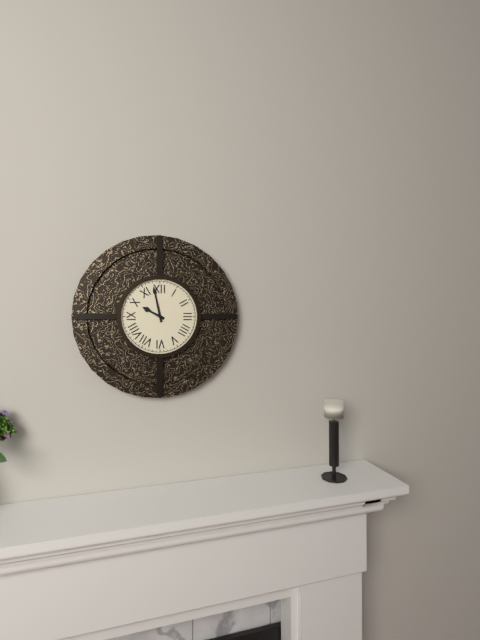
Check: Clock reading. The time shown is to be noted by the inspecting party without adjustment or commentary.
9:58
